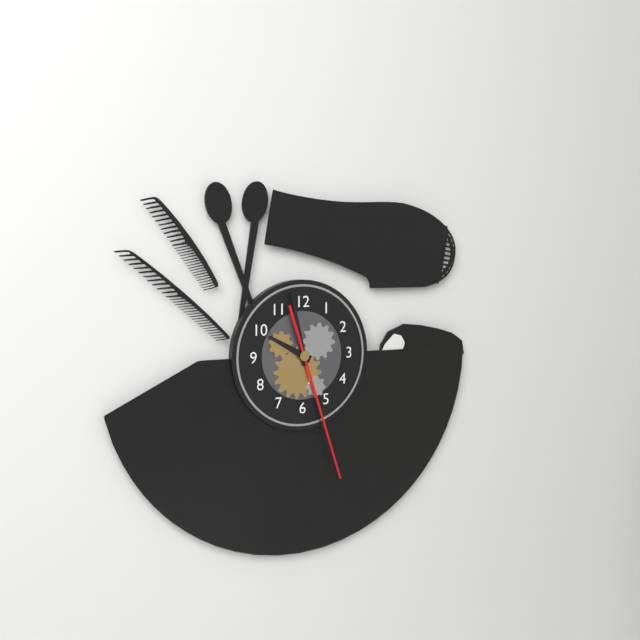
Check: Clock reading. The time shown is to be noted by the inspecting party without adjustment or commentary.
9:58:27
